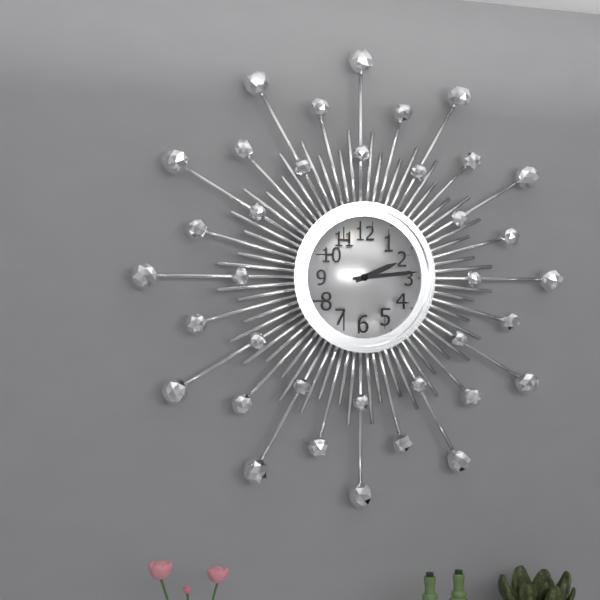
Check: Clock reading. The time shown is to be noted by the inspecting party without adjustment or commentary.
2:14
